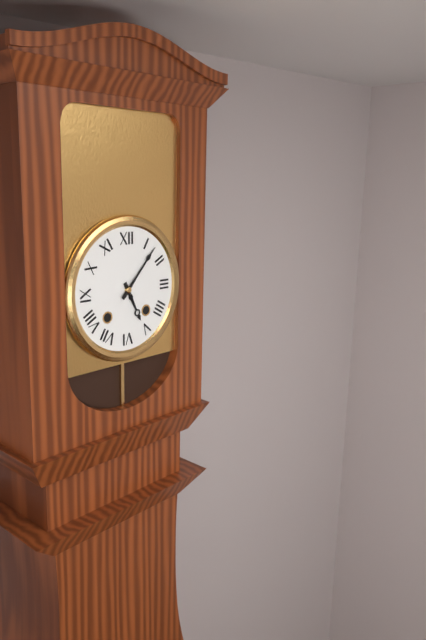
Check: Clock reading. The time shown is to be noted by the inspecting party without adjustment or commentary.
5:07
